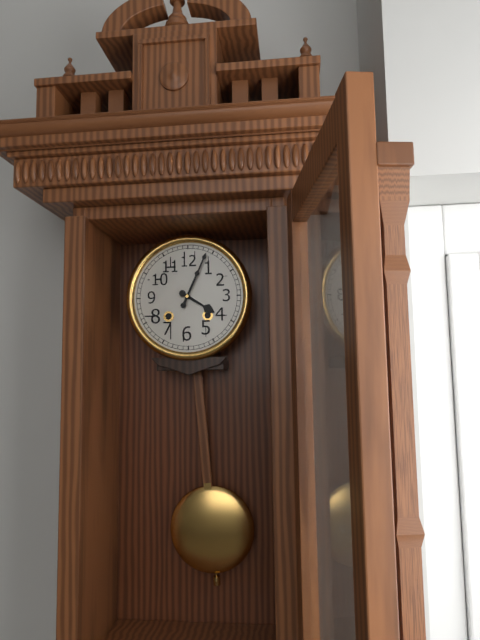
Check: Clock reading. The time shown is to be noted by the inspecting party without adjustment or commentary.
4:04
